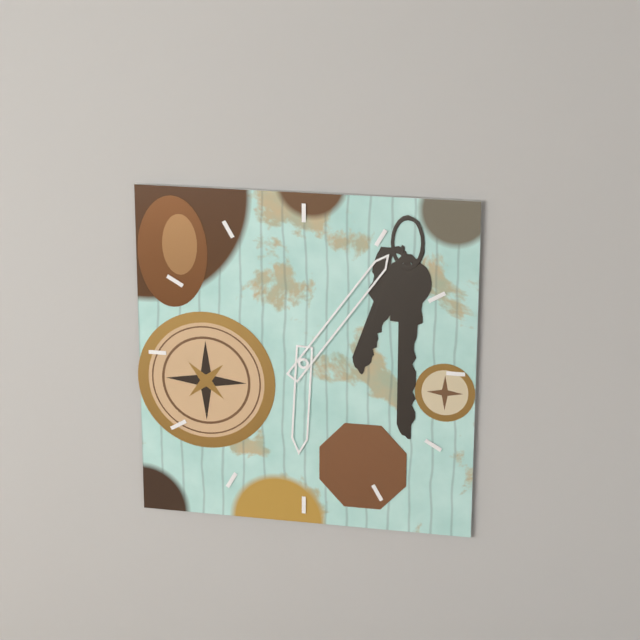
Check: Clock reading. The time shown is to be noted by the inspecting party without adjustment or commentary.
6:06
